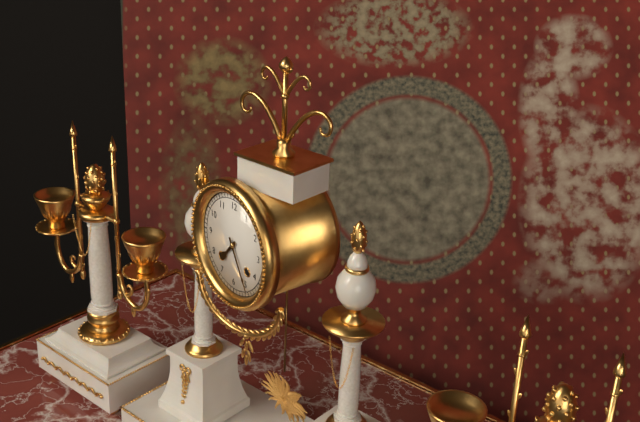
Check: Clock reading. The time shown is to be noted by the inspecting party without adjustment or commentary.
7:25
